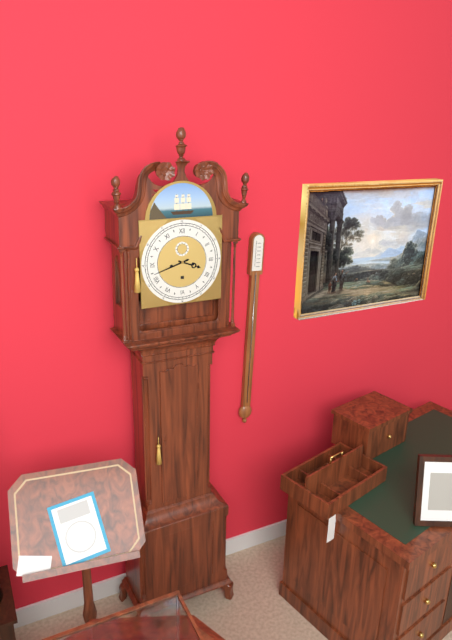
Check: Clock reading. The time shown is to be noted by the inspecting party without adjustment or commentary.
3:42
